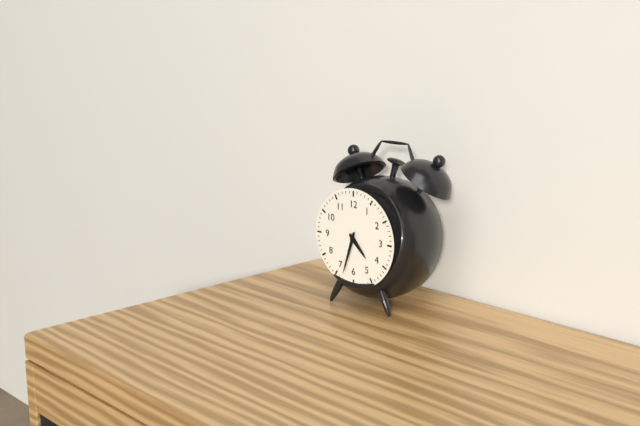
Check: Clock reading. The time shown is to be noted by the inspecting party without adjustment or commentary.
4:33
